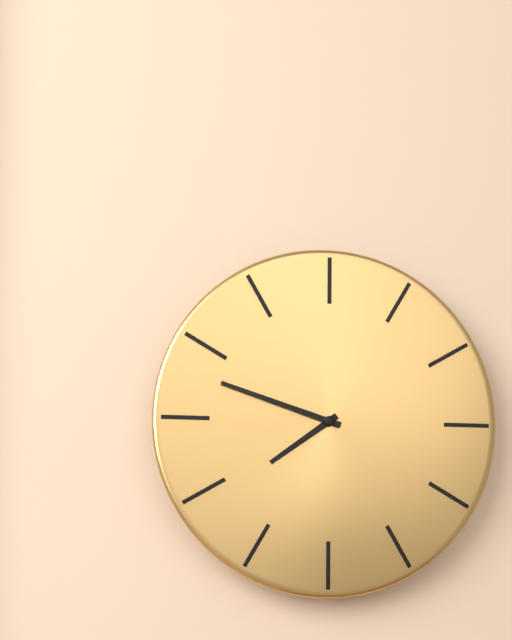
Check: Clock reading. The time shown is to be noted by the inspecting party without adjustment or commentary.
7:48
